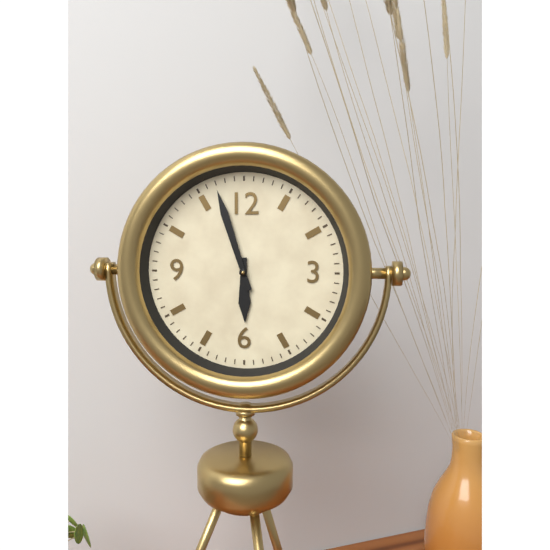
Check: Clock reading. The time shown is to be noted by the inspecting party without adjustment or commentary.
5:57
